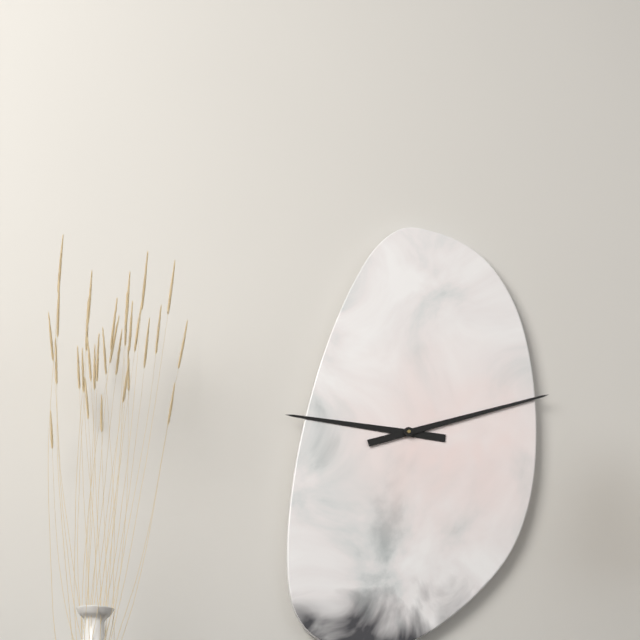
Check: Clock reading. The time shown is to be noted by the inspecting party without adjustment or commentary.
9:12
